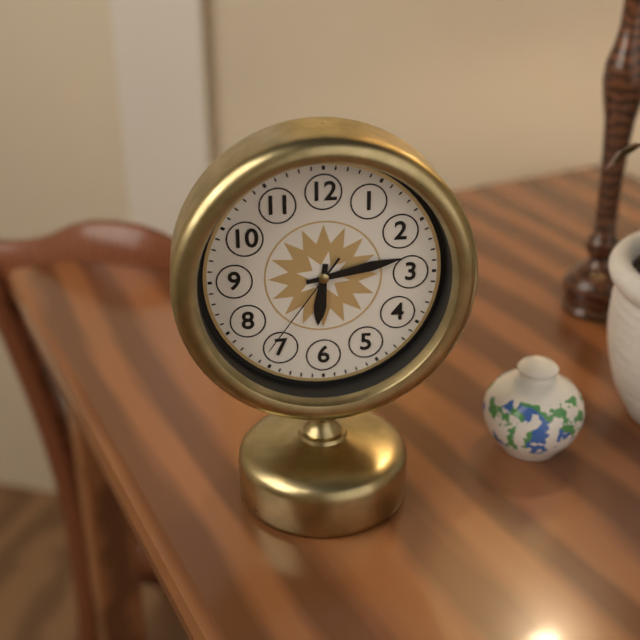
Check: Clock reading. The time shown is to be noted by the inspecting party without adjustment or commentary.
6:13:36
